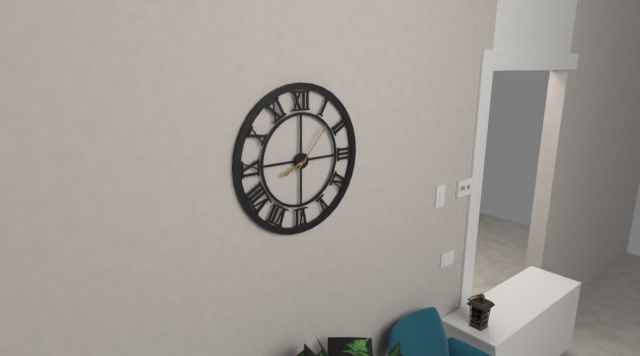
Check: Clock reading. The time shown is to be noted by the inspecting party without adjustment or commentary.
8:07
